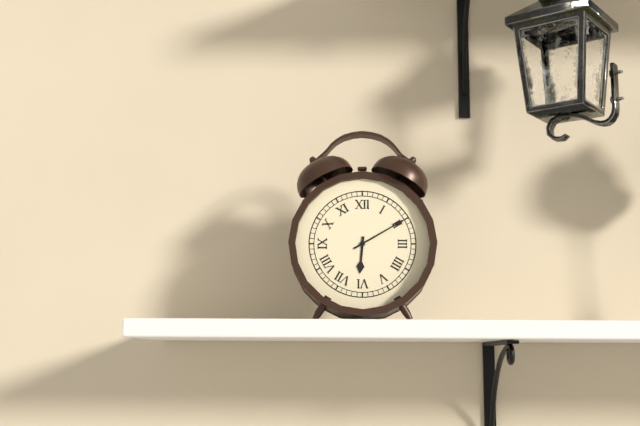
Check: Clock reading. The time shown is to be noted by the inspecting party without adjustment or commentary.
6:10
